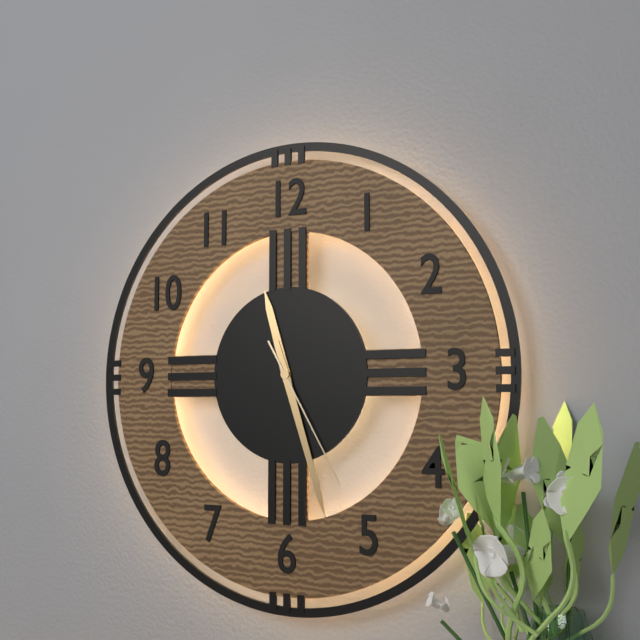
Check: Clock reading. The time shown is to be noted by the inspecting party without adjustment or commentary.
11:27:25
